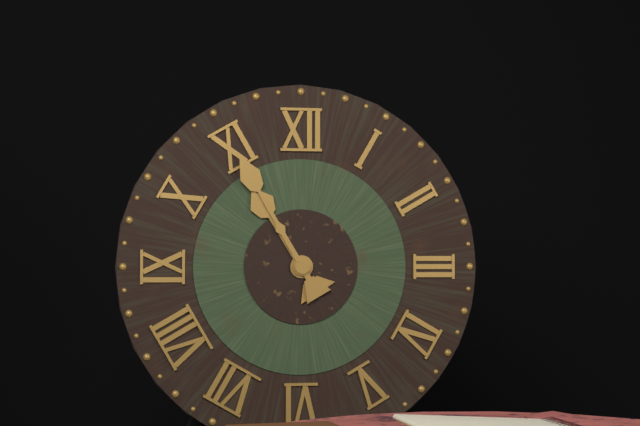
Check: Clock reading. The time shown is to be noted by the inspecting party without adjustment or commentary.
10:55
